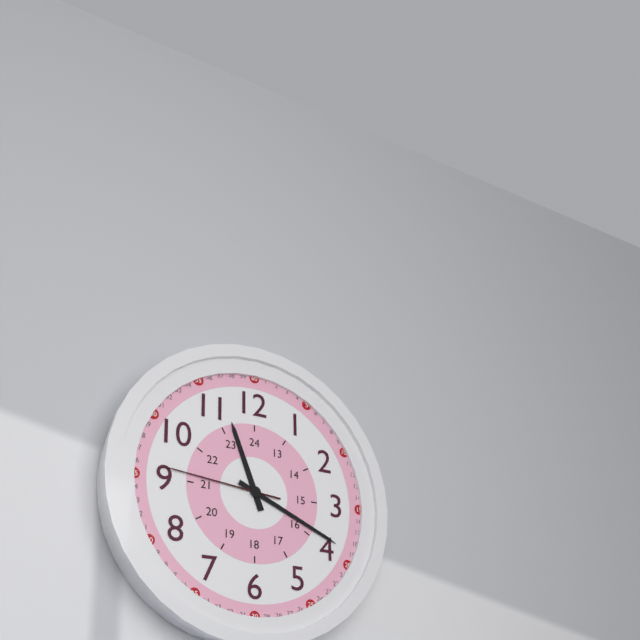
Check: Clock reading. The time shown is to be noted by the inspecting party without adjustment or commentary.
11:19:46
